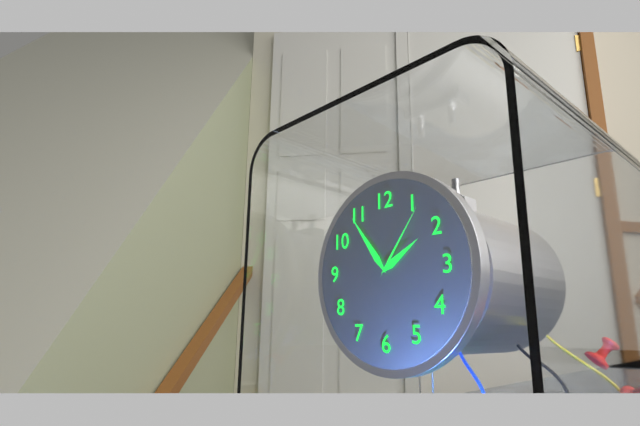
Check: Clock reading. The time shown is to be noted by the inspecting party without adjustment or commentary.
1:54:06
